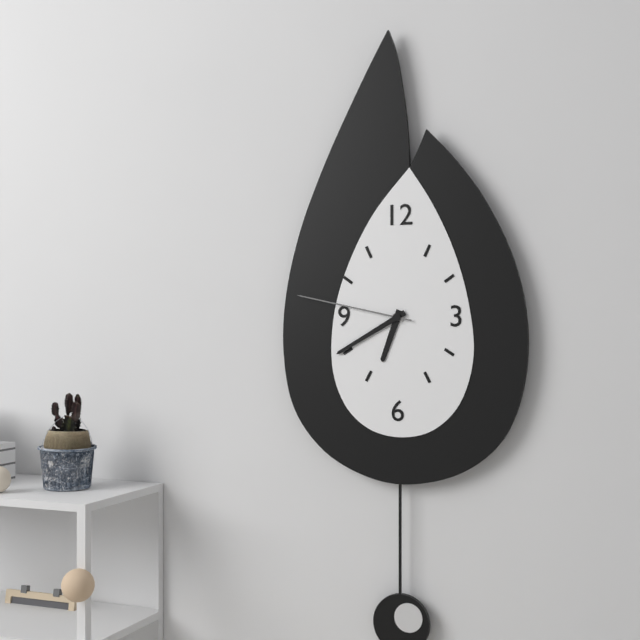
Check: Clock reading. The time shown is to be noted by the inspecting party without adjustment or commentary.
6:40:47
